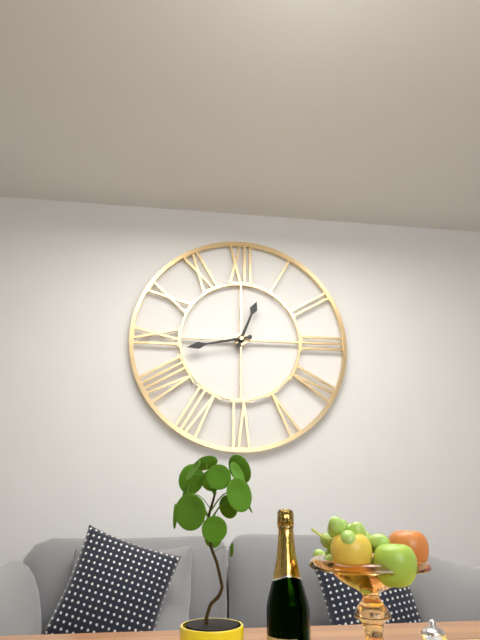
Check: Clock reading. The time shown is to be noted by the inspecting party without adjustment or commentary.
12:43
